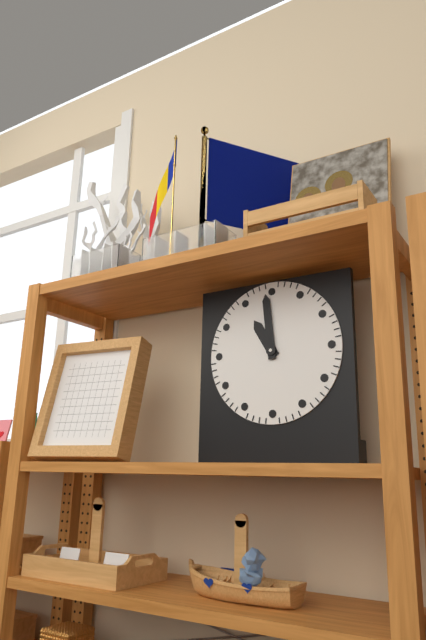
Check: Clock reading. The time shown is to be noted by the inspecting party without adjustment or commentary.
10:59
